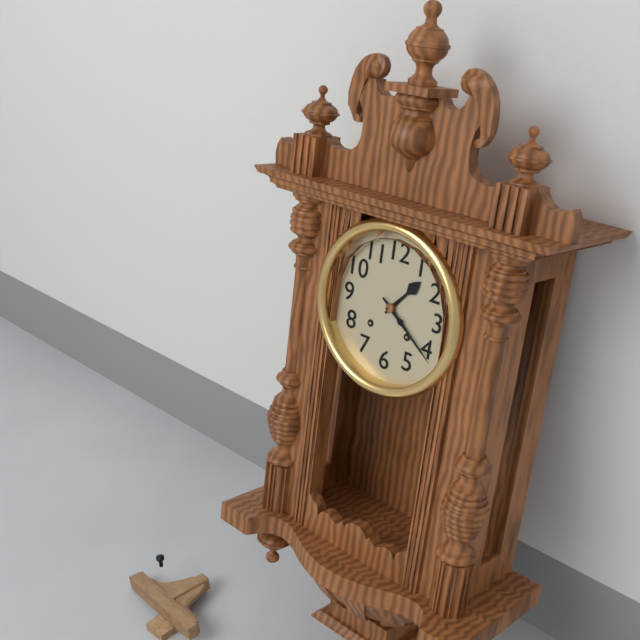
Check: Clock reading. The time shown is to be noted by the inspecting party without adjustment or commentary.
1:21
